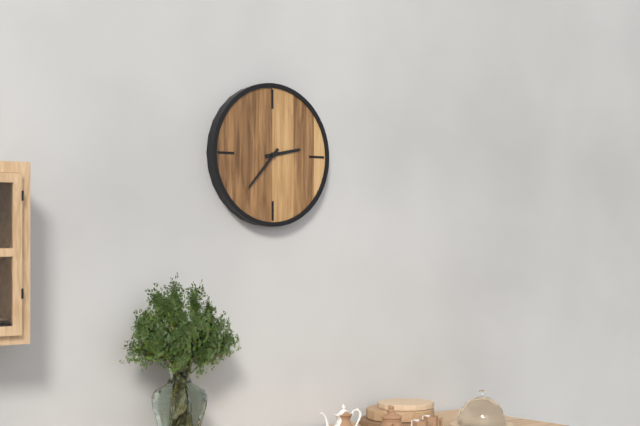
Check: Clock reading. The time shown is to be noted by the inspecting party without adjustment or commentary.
2:37
